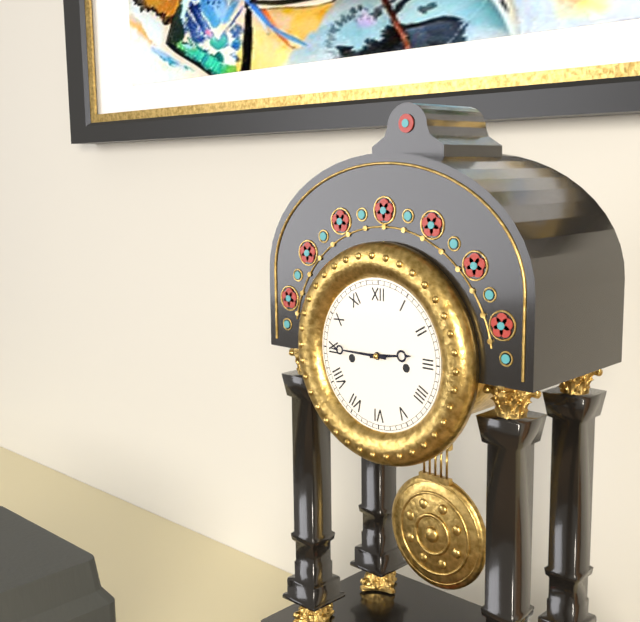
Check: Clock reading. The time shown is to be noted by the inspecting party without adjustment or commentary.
2:45
